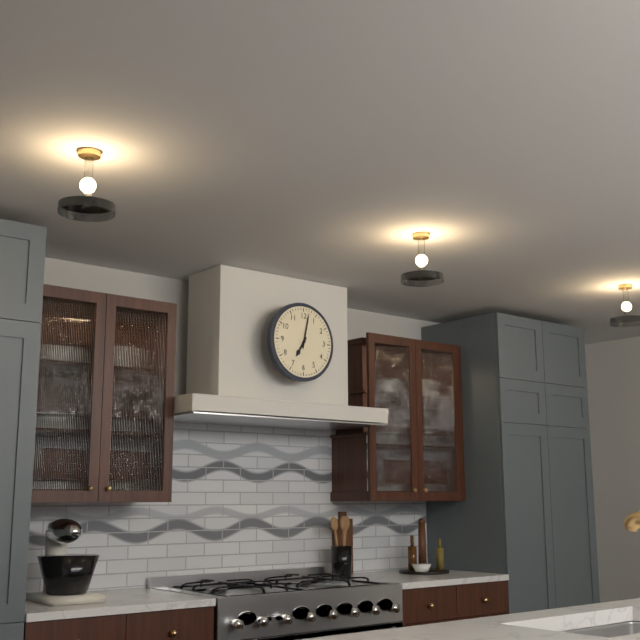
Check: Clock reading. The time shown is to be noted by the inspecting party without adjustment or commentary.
7:02
